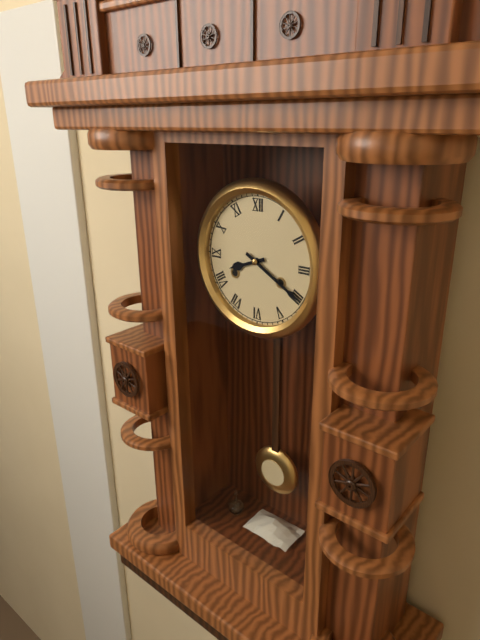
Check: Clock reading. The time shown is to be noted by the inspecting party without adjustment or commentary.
8:20
